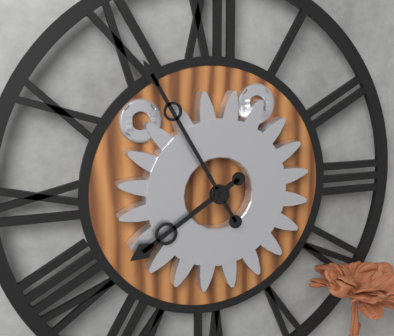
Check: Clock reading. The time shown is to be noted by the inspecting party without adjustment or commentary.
7:55
